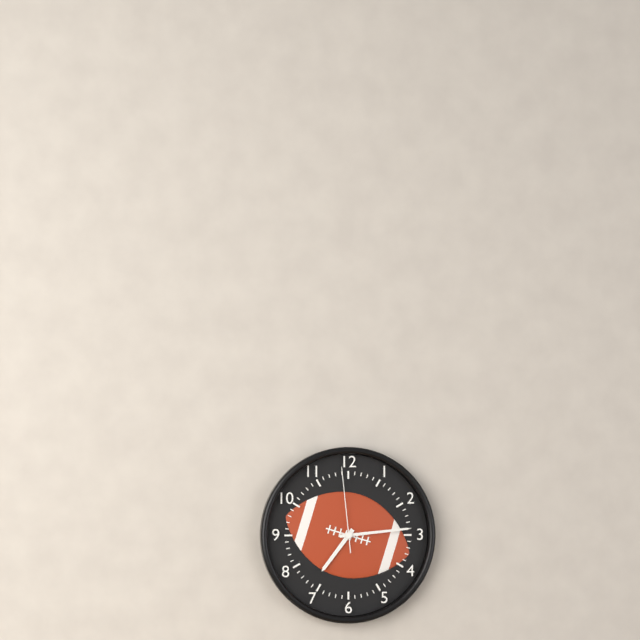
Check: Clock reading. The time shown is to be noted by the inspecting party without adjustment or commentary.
7:14:59
